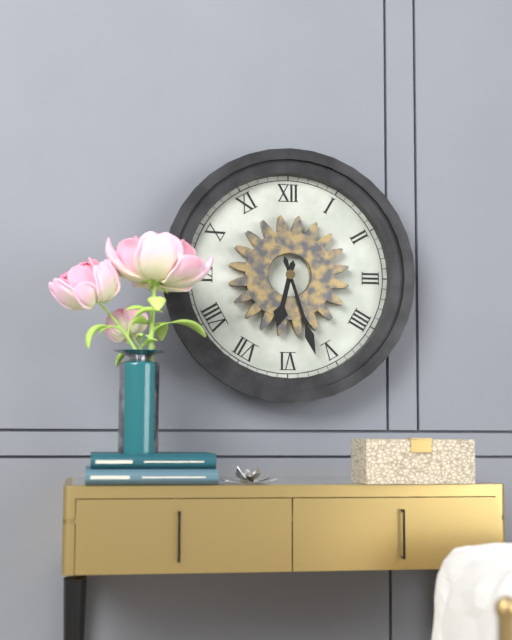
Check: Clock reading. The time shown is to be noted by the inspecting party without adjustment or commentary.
6:27
